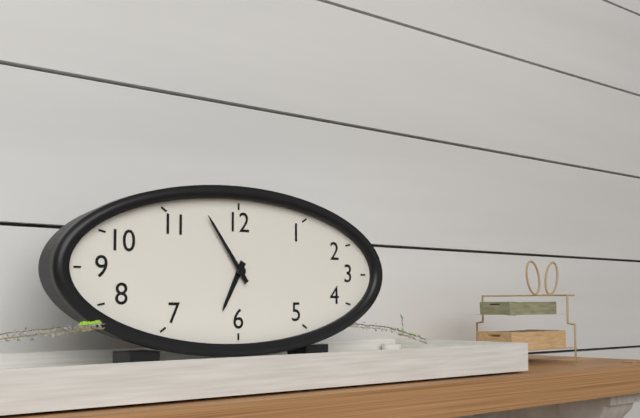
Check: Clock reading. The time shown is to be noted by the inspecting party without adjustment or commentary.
6:54
